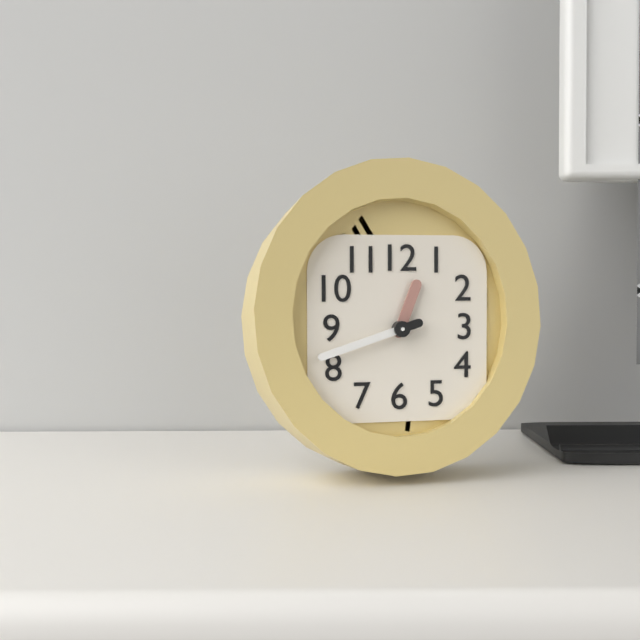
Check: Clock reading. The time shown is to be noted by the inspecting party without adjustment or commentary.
12:42
